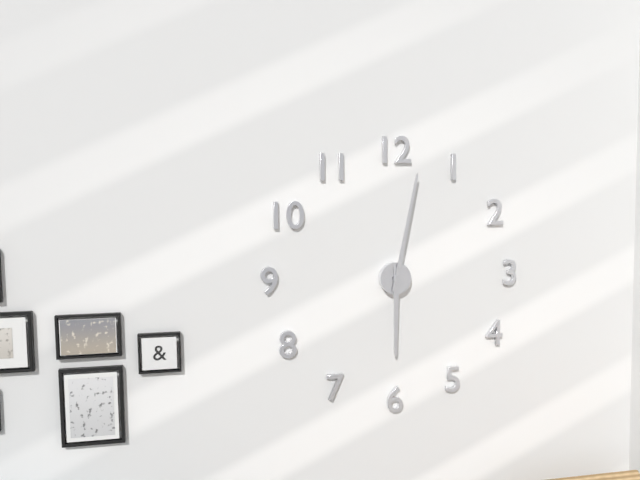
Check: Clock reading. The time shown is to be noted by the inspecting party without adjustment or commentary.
6:02
